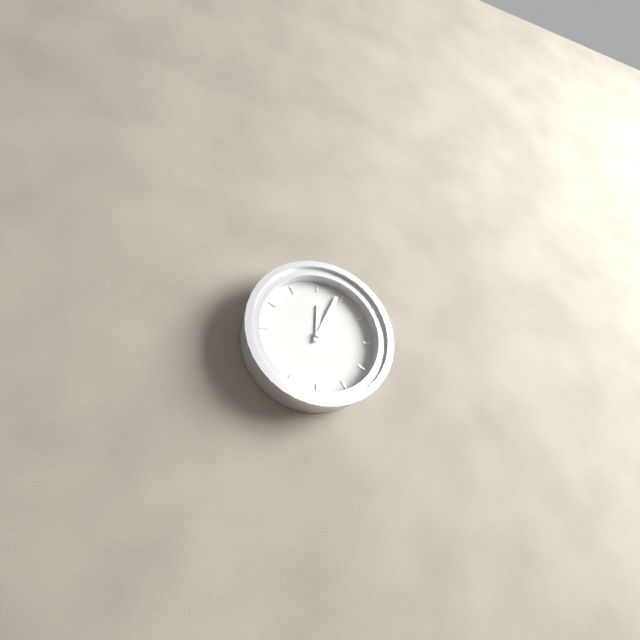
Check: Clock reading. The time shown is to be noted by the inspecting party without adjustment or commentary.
12:04
